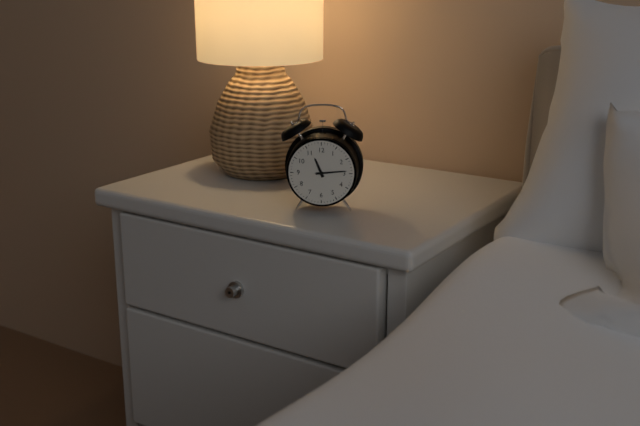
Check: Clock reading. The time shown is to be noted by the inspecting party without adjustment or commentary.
11:14
